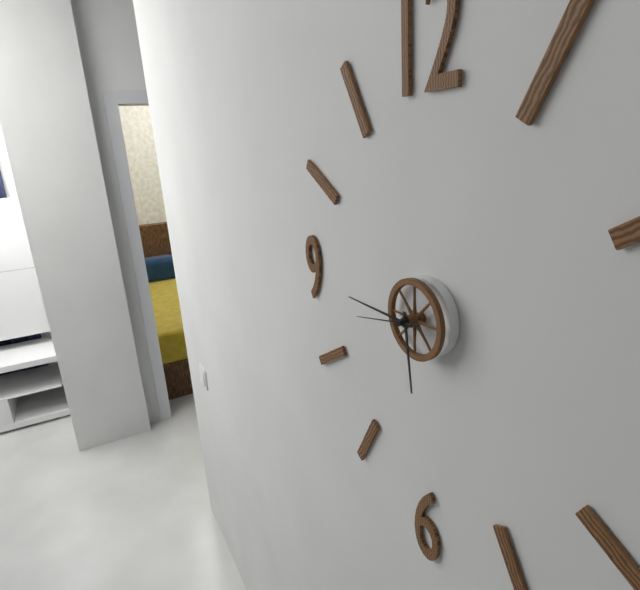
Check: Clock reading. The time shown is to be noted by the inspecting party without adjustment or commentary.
5:45:43
